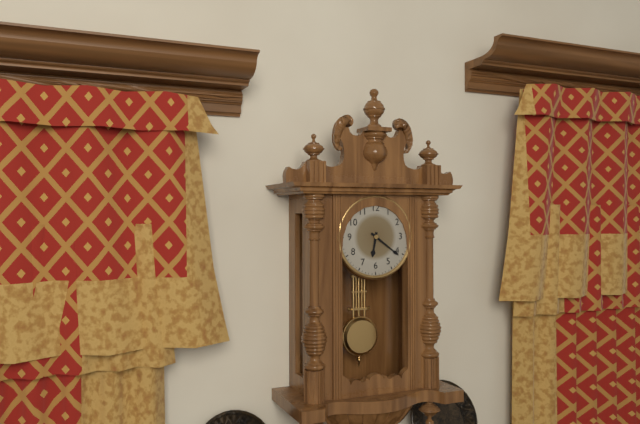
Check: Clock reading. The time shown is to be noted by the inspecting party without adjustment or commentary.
6:21
